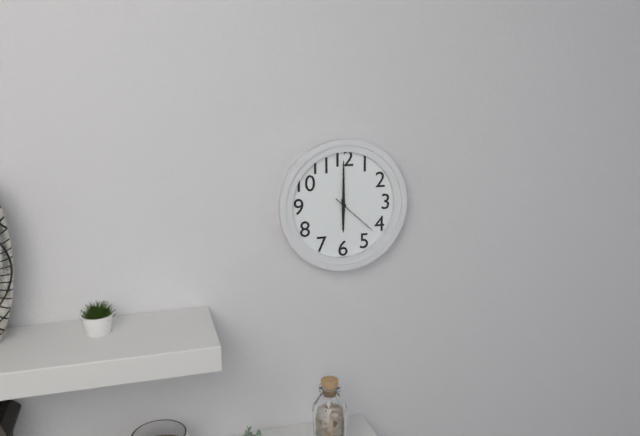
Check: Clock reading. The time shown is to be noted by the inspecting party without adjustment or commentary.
6:00
